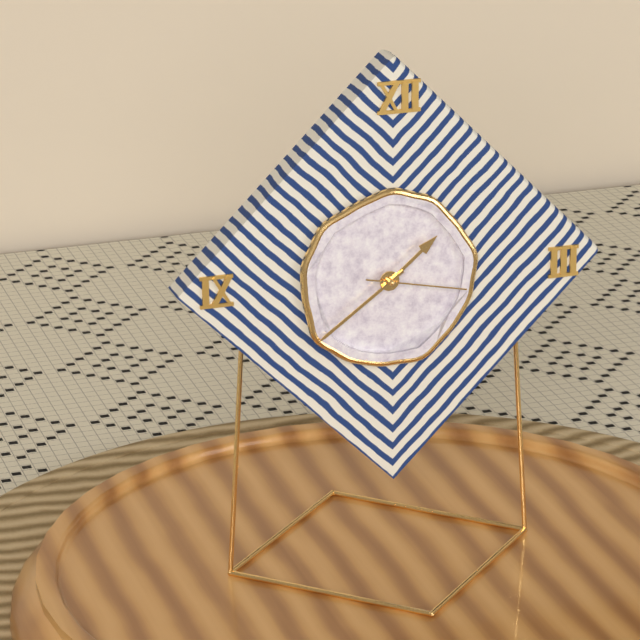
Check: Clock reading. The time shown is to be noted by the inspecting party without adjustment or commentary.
1:39:17
